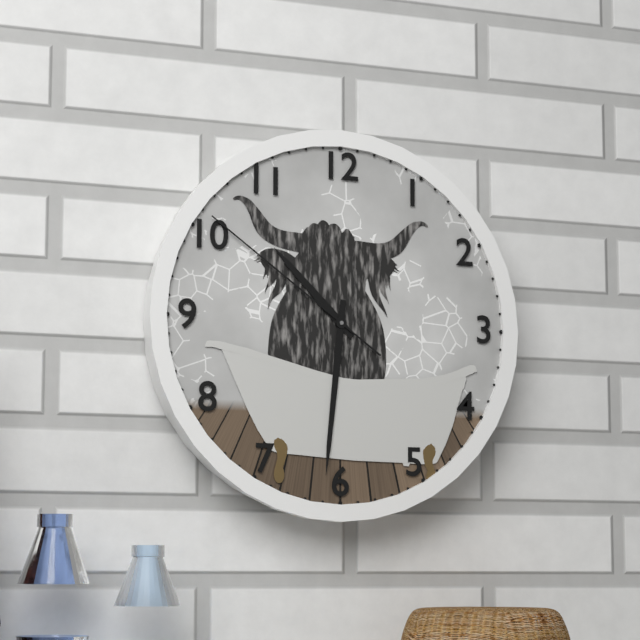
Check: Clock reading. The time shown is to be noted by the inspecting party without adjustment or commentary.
10:31:51
